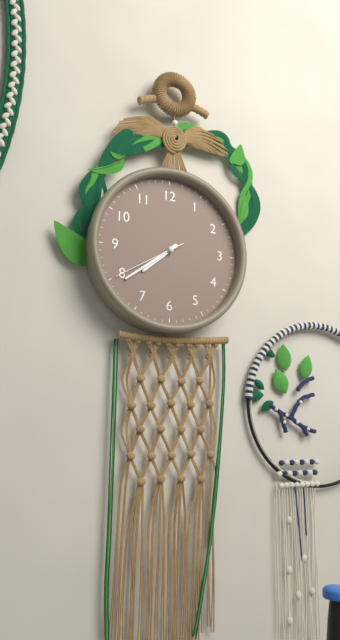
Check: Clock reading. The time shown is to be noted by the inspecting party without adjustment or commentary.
7:39:40
